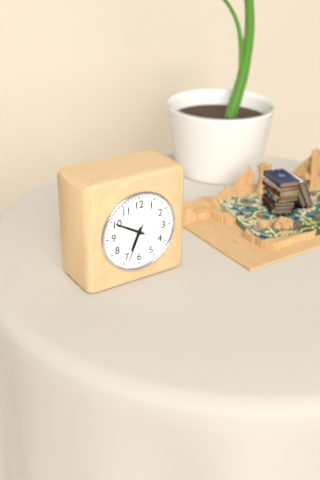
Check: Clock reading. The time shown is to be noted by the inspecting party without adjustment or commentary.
6:50
